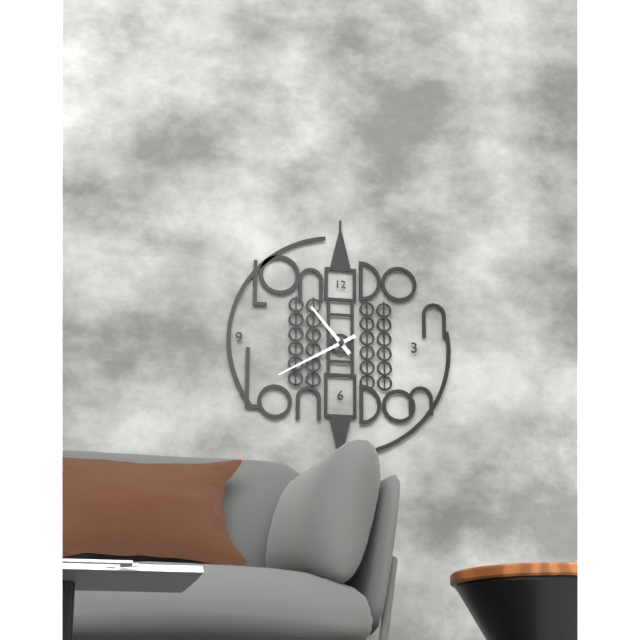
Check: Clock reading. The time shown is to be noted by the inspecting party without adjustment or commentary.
10:40
